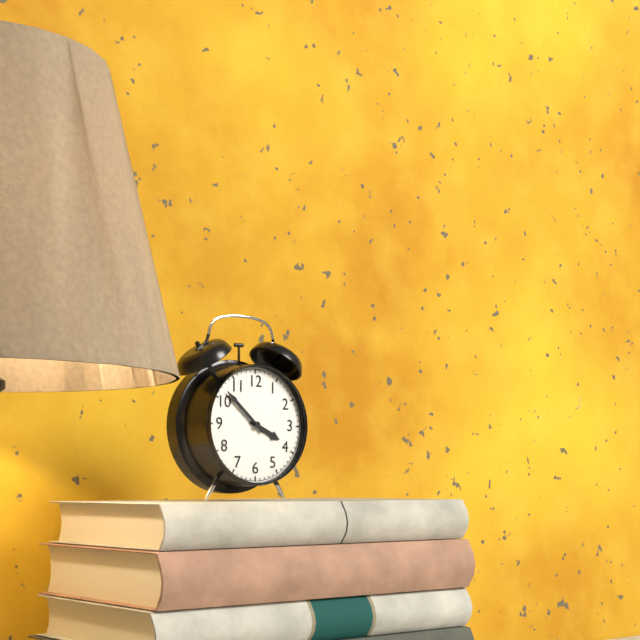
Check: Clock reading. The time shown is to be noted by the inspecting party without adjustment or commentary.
3:52
